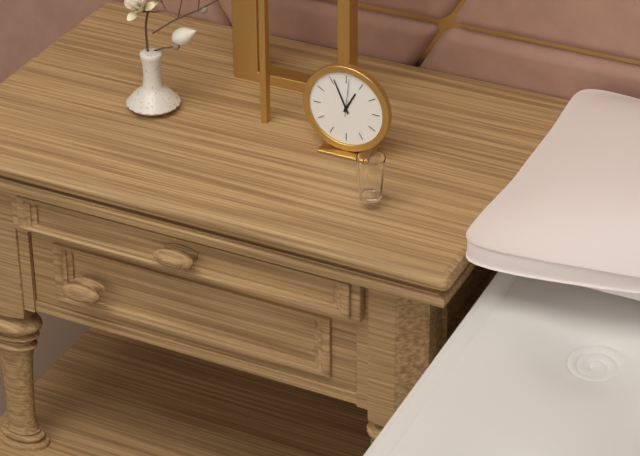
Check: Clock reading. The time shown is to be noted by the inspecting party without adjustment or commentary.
12:56
